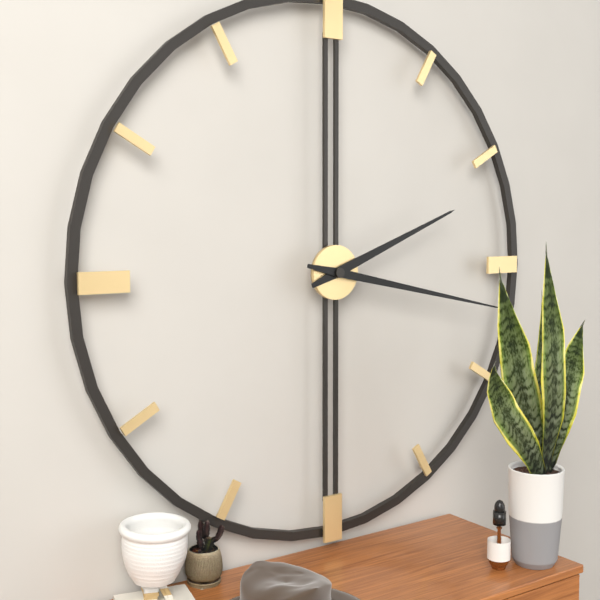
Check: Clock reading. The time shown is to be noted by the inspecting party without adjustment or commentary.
2:17
